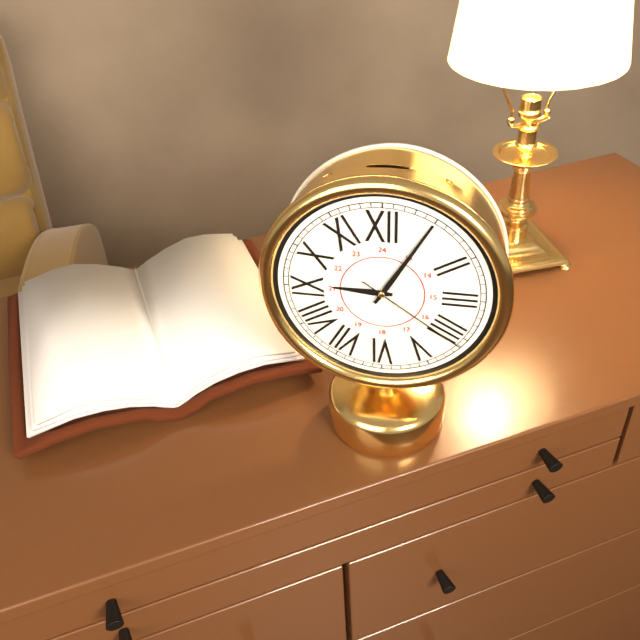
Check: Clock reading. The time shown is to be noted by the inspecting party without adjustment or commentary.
9:05:21
